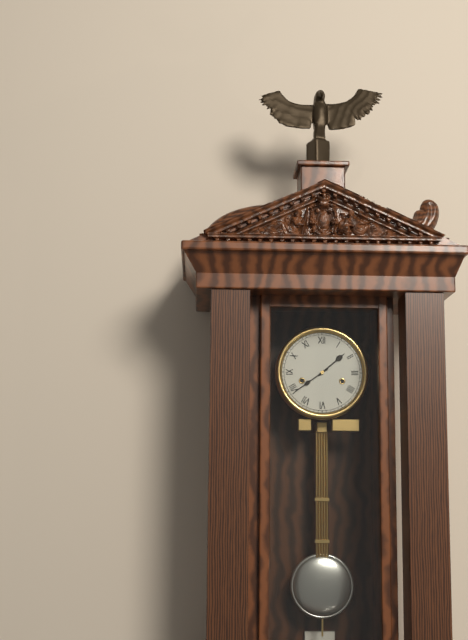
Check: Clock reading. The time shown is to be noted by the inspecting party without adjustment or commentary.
1:39
